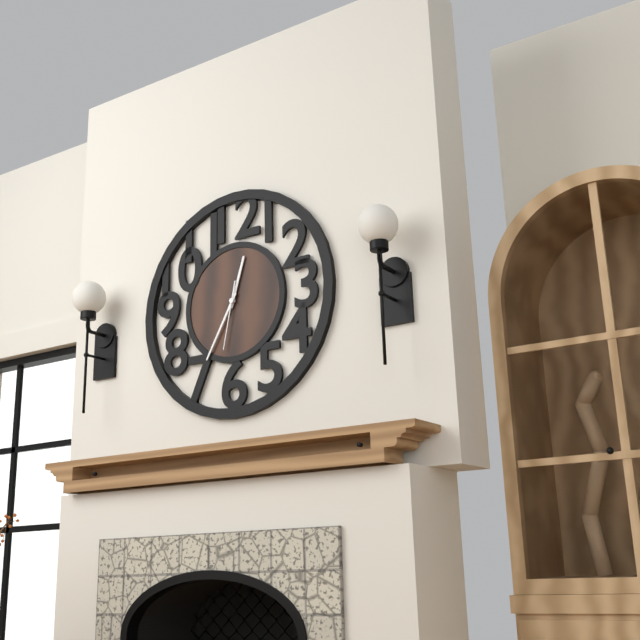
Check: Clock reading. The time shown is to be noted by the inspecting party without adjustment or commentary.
12:35:32
